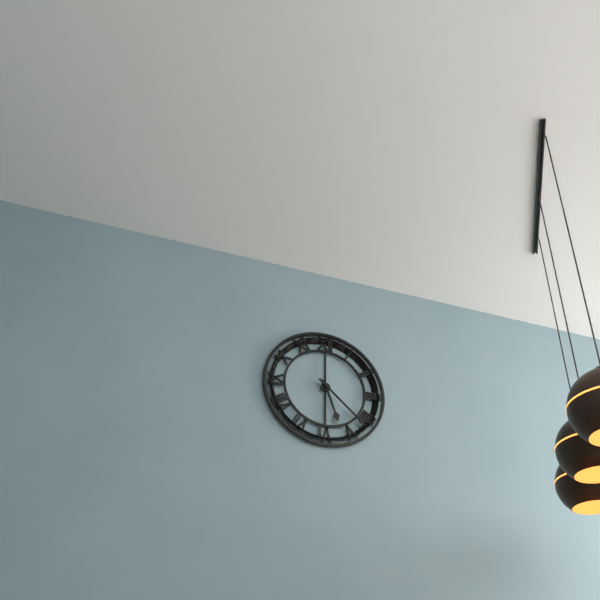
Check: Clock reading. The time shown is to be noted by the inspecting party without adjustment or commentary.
5:22
